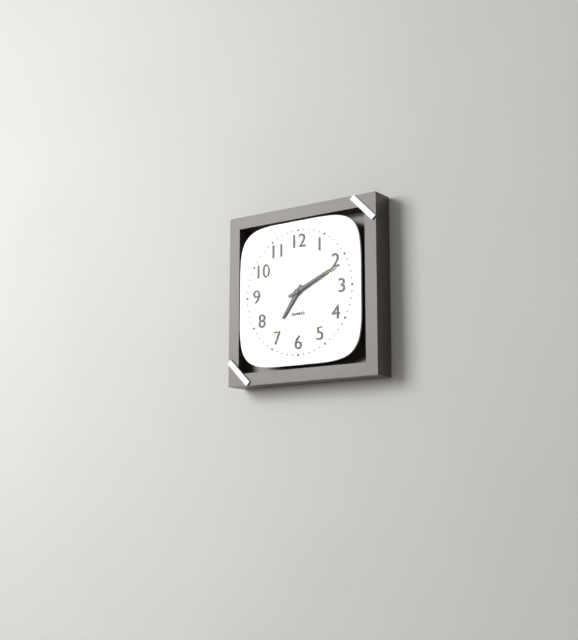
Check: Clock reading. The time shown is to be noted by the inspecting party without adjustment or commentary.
7:11
